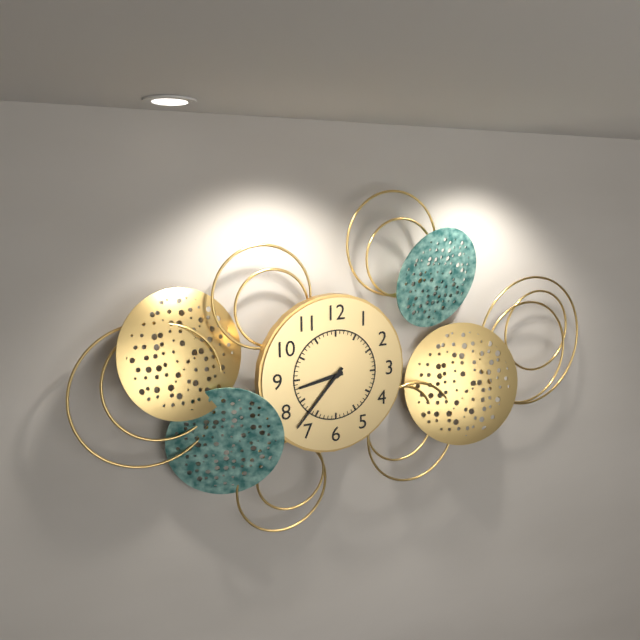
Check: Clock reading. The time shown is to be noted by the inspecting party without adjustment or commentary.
8:37
